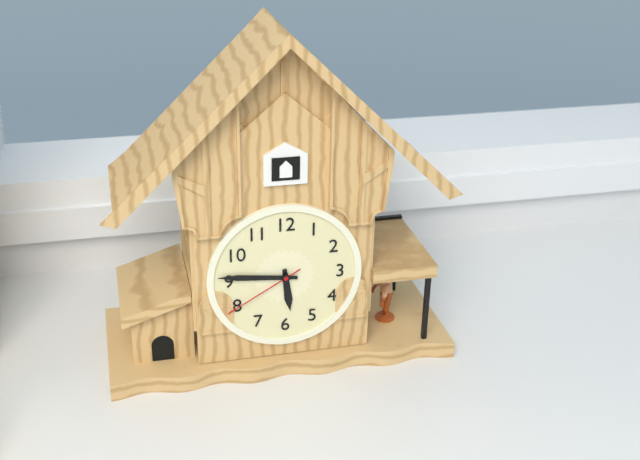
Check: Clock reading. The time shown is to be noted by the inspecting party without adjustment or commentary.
5:46:40
